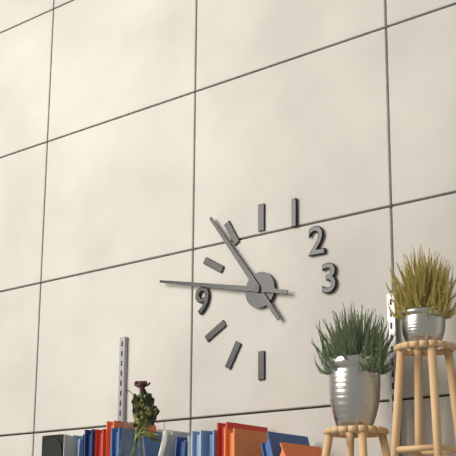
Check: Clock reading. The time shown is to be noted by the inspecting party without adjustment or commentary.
10:47
